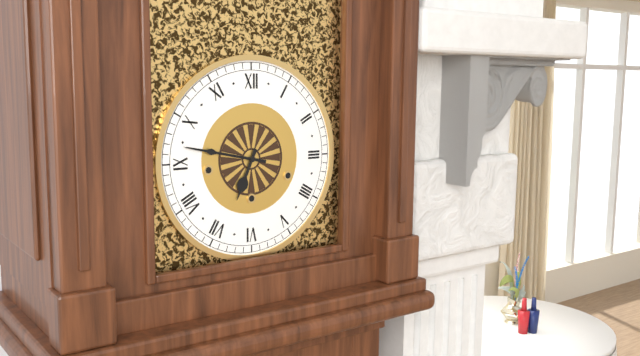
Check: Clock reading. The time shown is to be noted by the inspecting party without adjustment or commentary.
6:47
